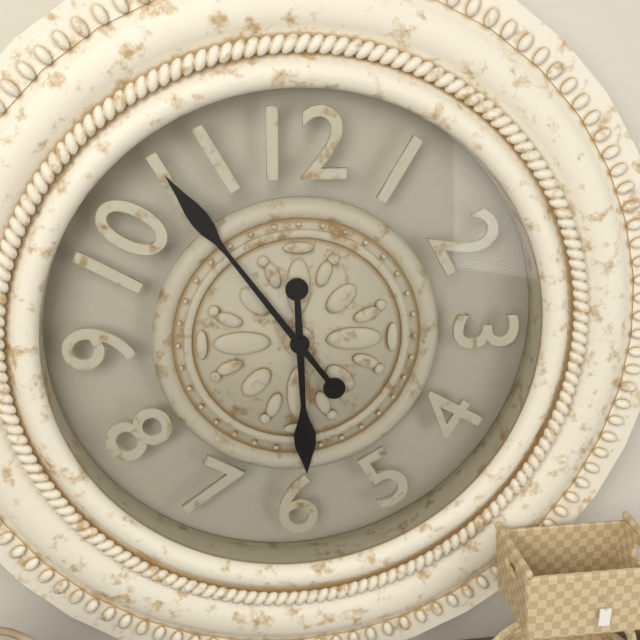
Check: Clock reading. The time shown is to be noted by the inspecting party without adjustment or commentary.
5:54
